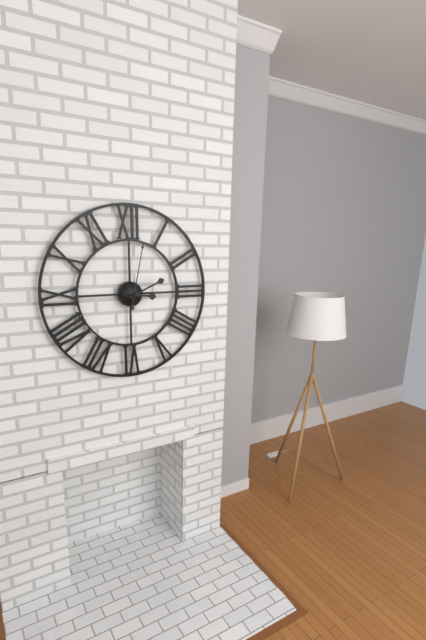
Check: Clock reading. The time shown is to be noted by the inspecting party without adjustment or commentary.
3:11:02
